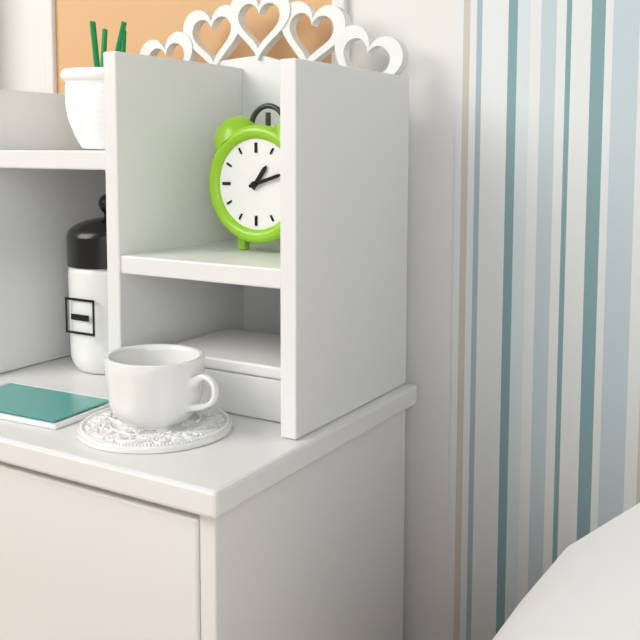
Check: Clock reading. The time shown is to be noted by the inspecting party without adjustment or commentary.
1:12
